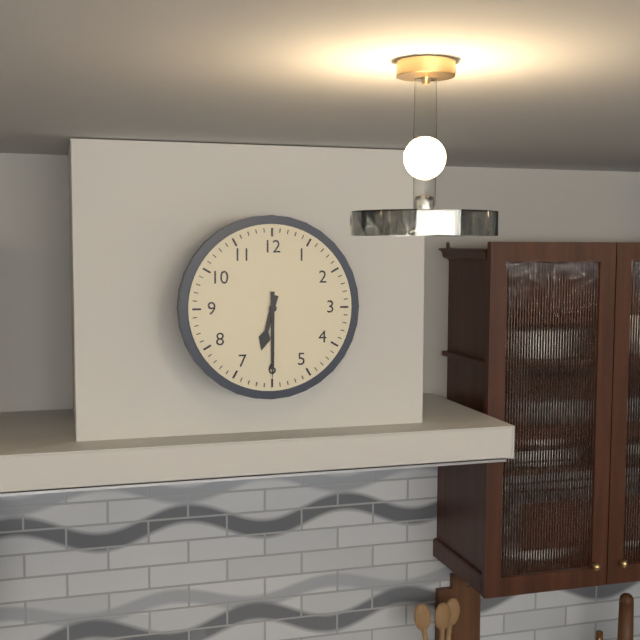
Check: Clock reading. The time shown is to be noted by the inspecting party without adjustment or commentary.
6:30
